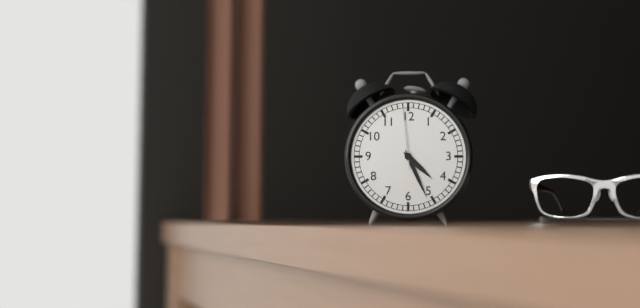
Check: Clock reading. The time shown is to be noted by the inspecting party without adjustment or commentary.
4:26:59
